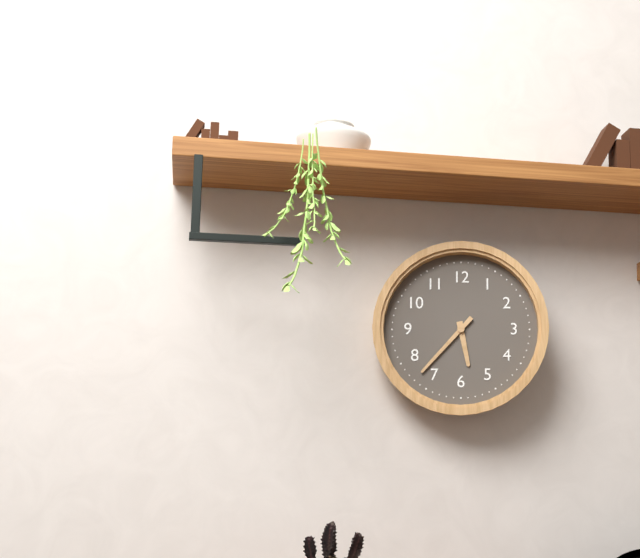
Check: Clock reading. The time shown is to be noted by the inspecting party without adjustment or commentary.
5:37
